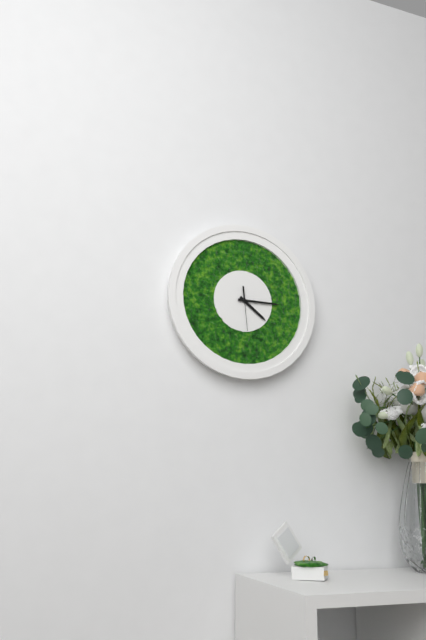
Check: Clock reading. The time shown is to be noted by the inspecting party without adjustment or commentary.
4:15
